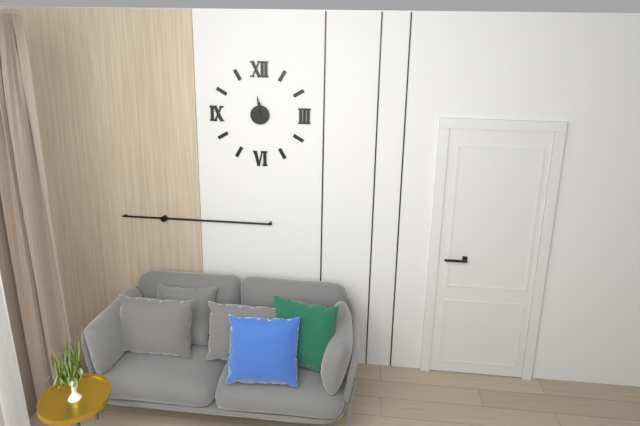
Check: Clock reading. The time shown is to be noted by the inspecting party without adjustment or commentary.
11:59
